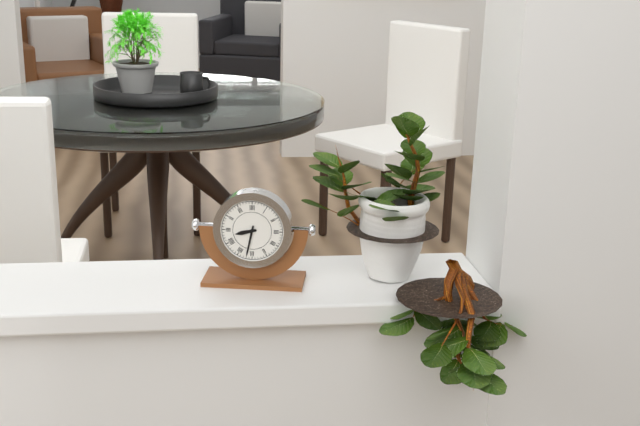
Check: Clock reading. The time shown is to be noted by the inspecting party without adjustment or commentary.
8:32
